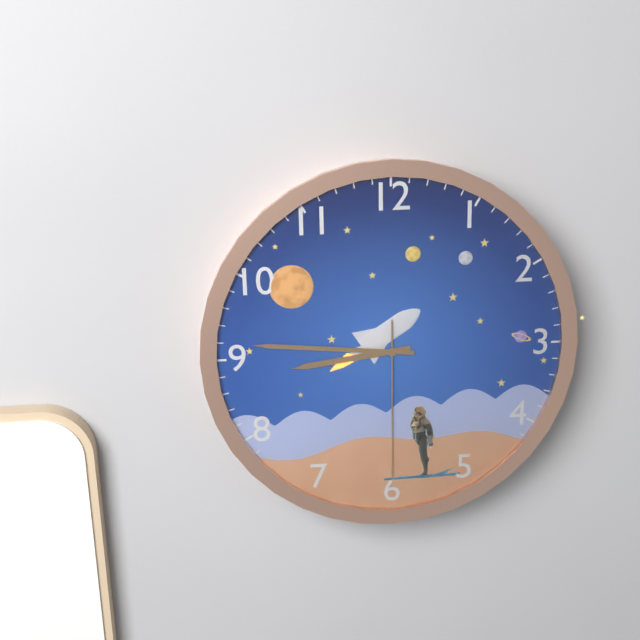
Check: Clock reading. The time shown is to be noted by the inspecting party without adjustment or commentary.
8:46:30
